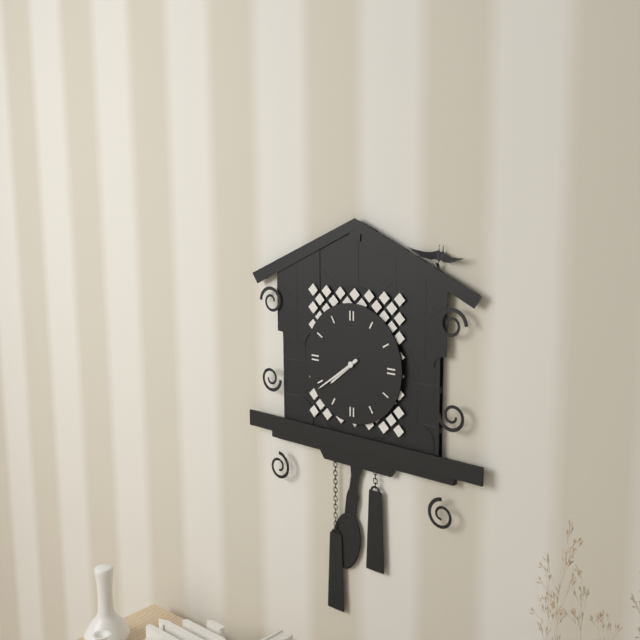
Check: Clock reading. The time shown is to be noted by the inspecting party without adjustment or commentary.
7:39
